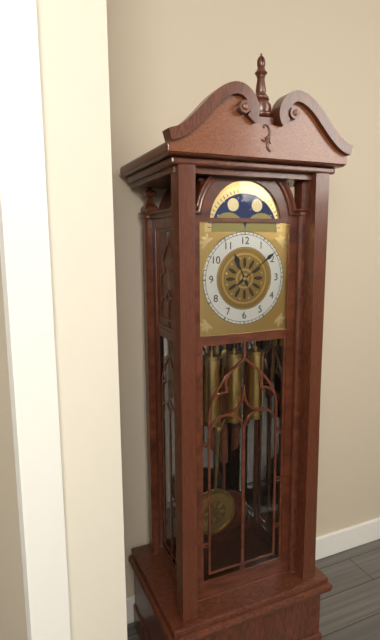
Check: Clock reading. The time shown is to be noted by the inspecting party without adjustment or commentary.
11:09
